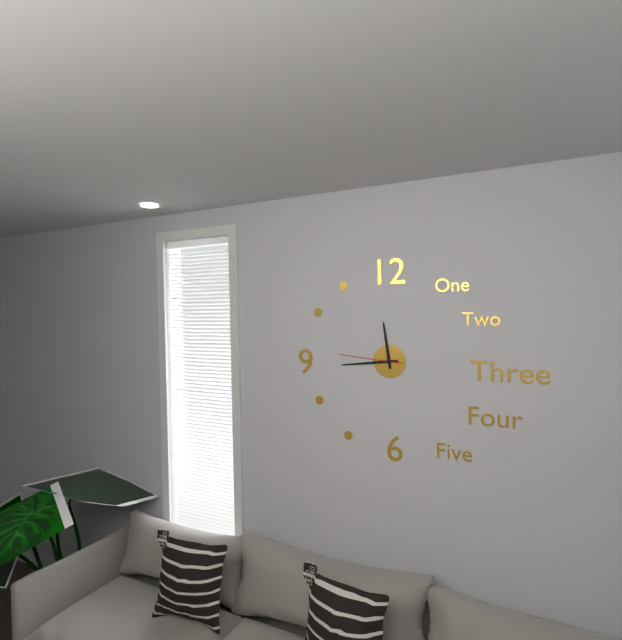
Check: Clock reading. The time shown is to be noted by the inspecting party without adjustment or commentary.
11:44:46
